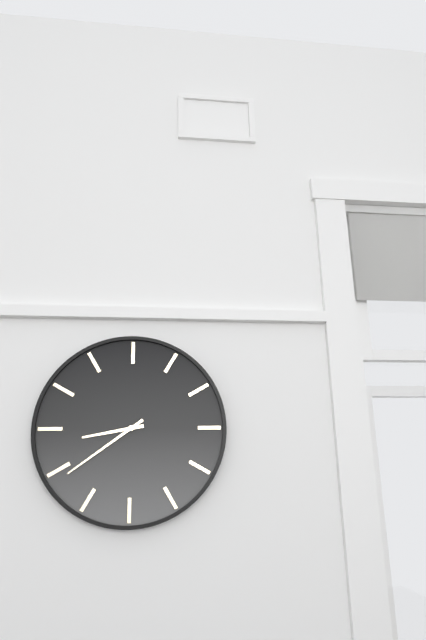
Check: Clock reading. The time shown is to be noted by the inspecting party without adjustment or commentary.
8:39
